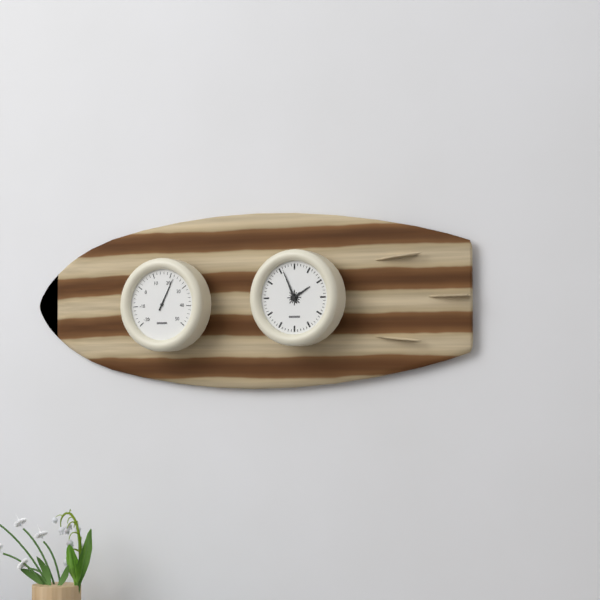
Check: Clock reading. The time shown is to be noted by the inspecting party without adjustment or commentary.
1:56
